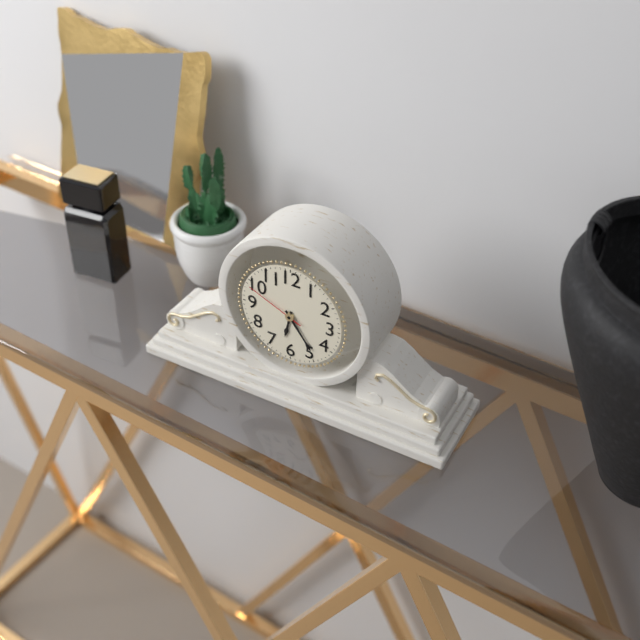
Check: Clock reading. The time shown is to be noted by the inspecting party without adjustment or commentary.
6:24:49
